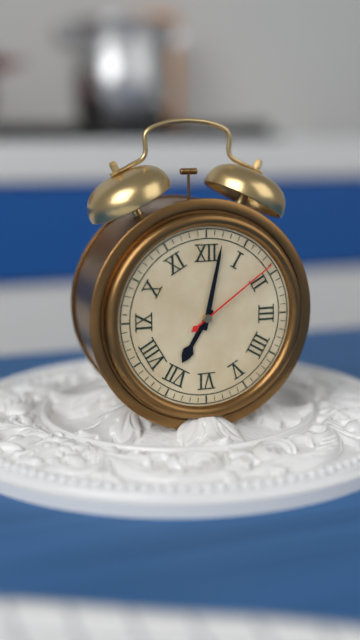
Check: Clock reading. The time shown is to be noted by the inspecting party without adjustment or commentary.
7:02:09
